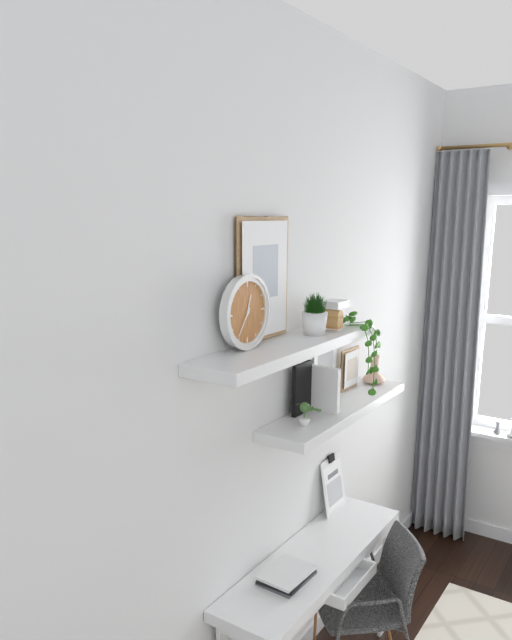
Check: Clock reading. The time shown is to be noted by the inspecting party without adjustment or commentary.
12:36
